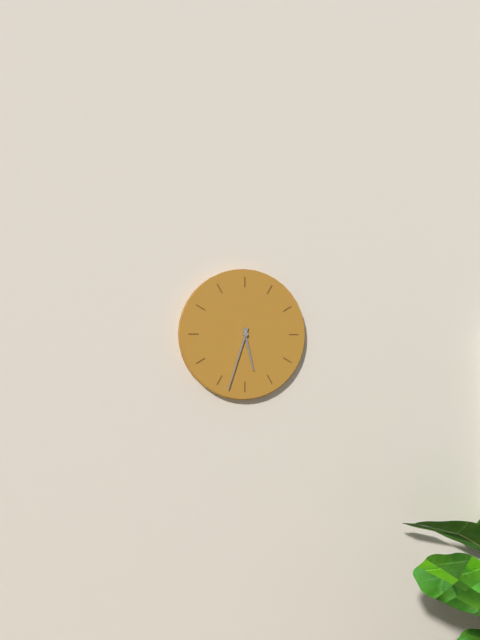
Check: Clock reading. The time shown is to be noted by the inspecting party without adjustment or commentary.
5:33
